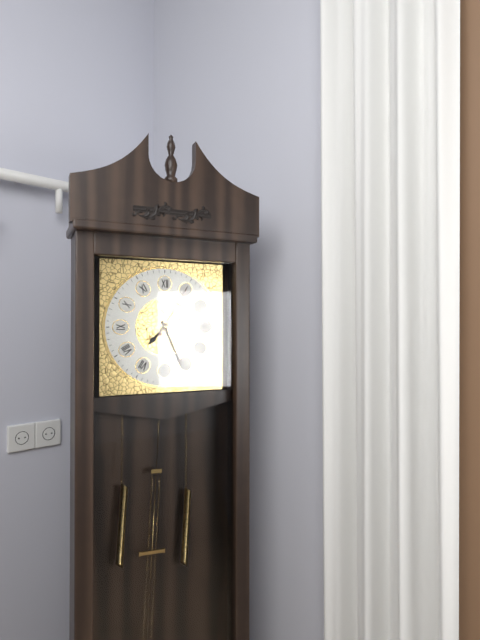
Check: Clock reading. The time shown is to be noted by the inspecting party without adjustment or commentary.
7:26:05
